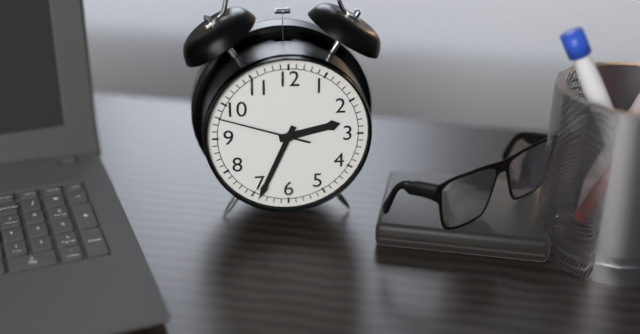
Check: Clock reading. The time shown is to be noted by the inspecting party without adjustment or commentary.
2:34:48
